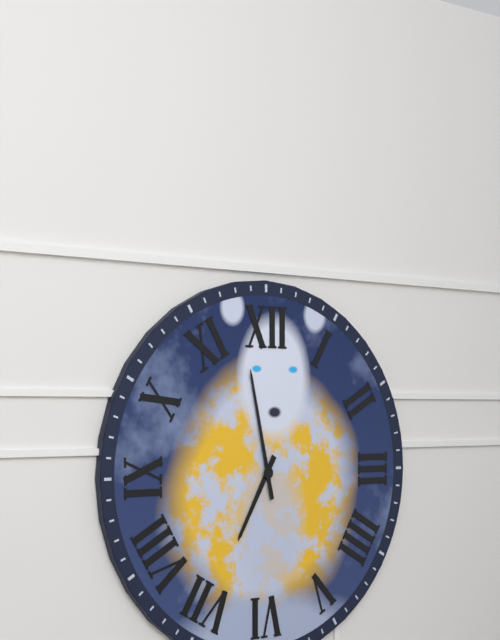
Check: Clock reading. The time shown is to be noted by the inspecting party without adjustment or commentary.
6:58
